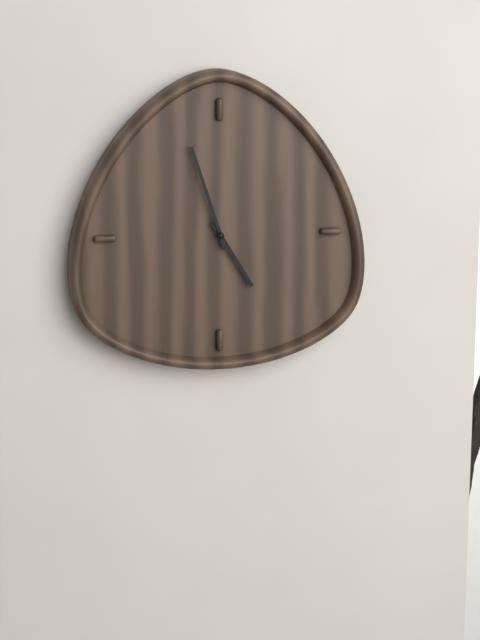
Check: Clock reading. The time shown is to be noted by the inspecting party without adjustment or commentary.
4:57
